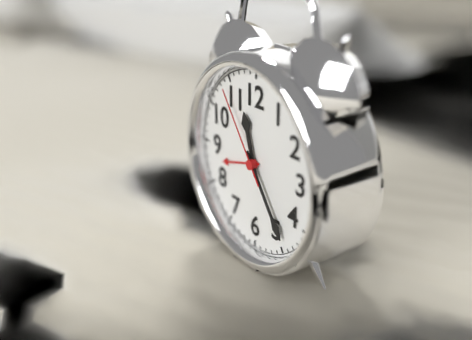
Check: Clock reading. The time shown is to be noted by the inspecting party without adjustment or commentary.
11:24:54
